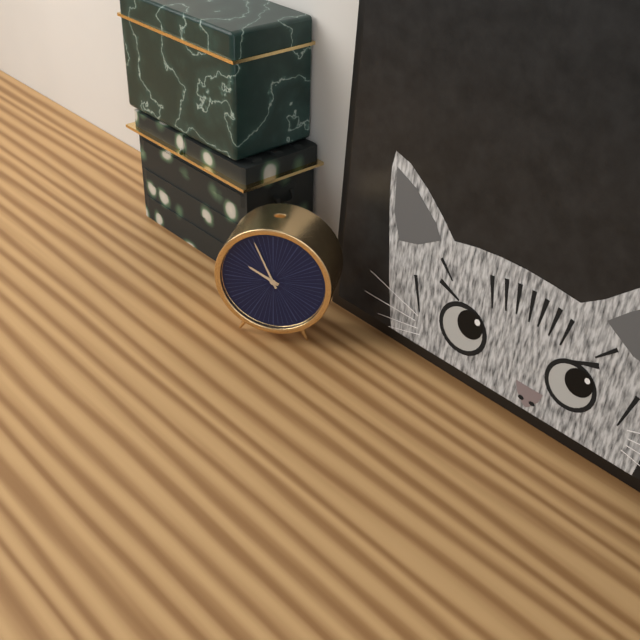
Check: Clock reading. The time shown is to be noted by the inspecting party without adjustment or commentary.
9:56
